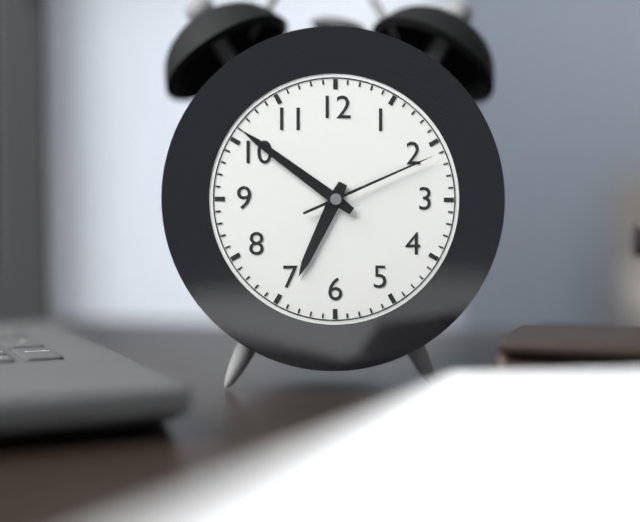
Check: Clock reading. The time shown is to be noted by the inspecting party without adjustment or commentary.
6:51:11
